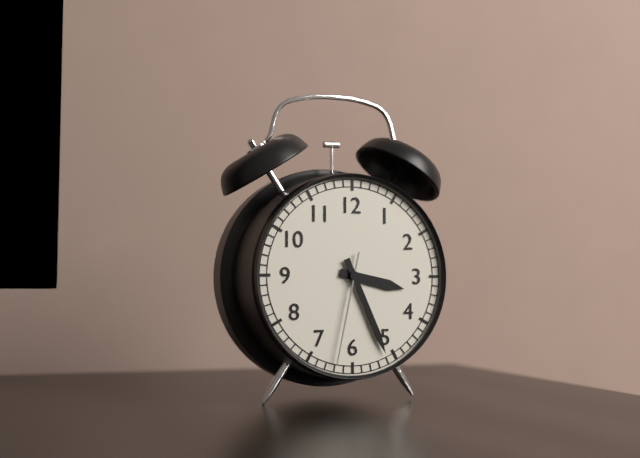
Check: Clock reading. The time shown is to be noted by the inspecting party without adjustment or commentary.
3:26:32
